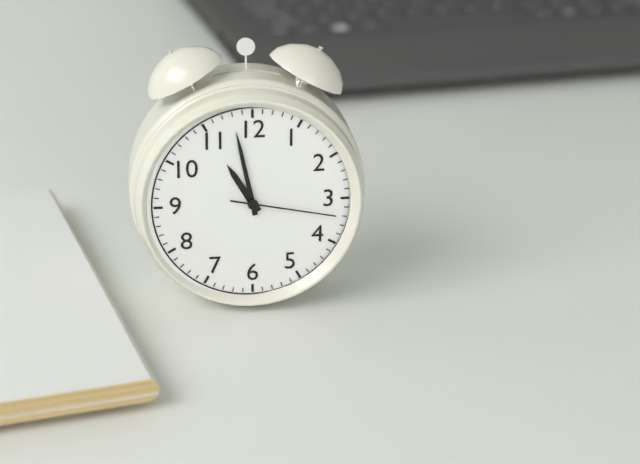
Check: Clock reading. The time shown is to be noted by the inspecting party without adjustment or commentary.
10:58:17
